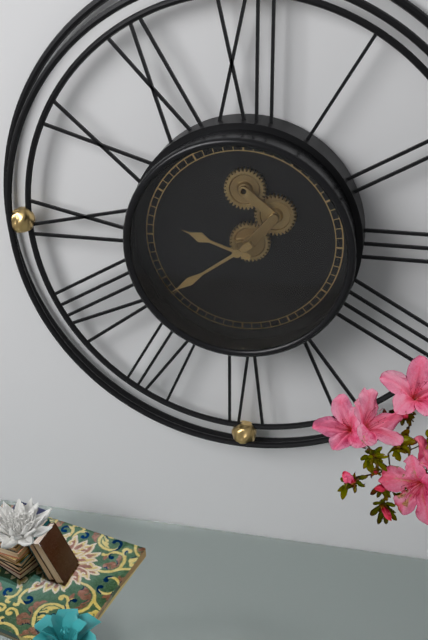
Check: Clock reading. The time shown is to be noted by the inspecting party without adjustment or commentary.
9:39
